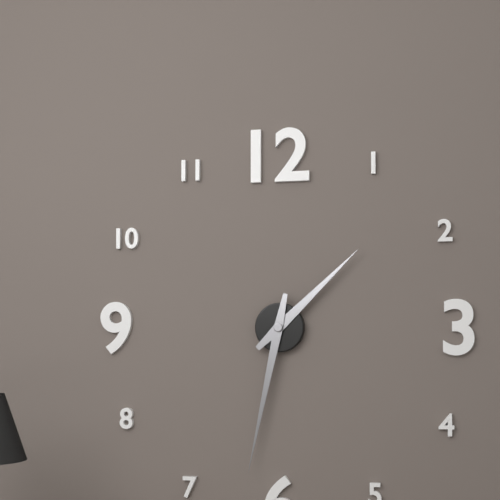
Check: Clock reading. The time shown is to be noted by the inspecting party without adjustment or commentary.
1:32
